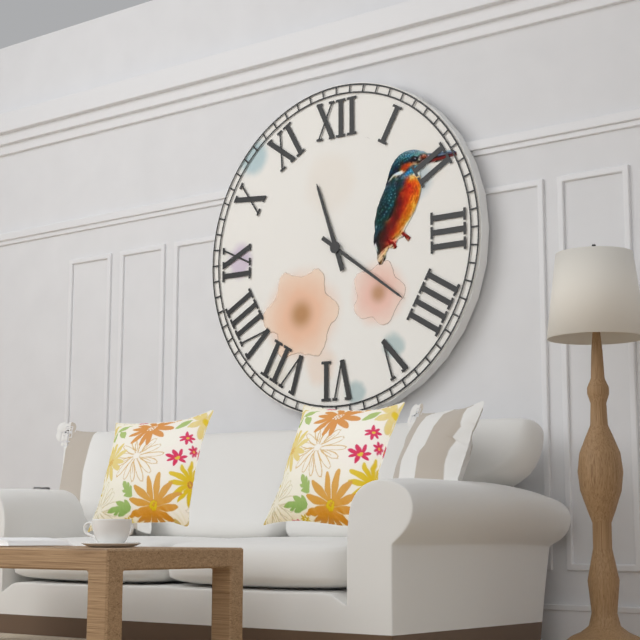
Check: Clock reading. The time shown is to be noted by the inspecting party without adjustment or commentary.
11:21
